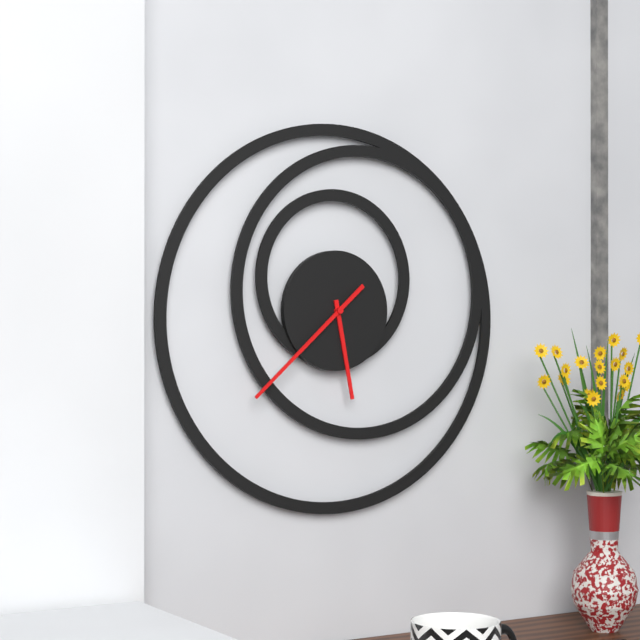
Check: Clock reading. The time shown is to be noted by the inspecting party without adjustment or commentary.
5:38
